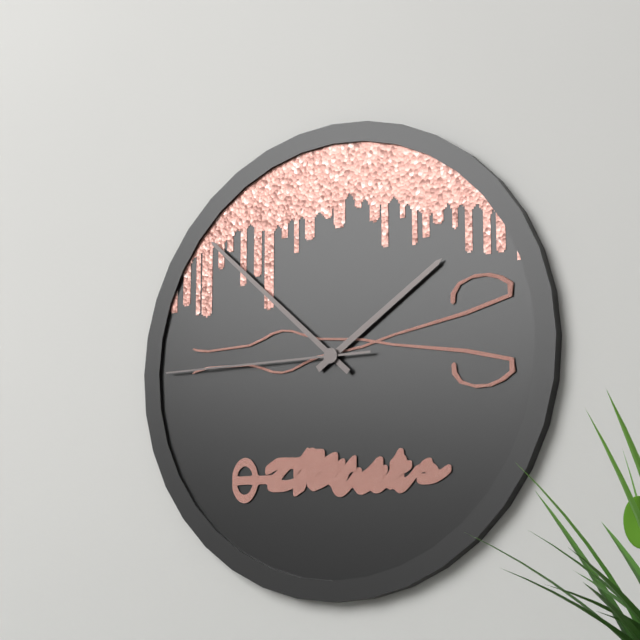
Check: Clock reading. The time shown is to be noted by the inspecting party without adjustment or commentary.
1:52:45
